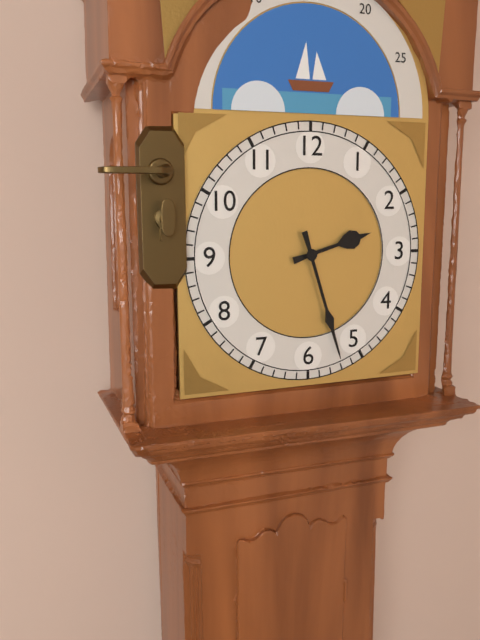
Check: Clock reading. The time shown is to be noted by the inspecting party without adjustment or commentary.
2:27
